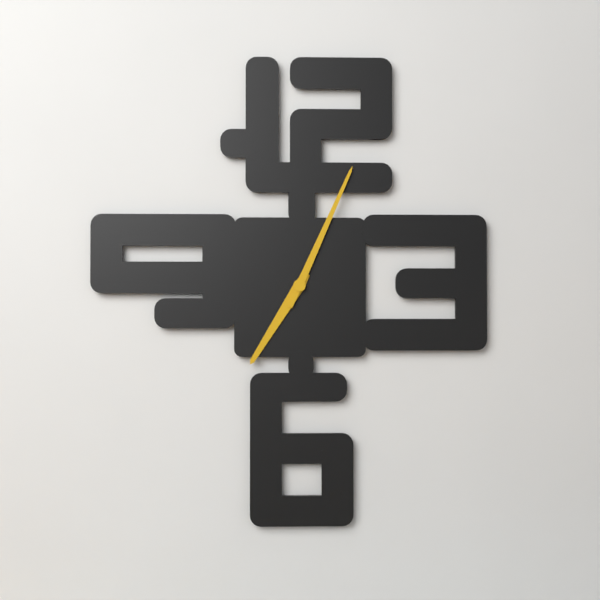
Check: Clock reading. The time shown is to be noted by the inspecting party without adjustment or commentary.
7:04
